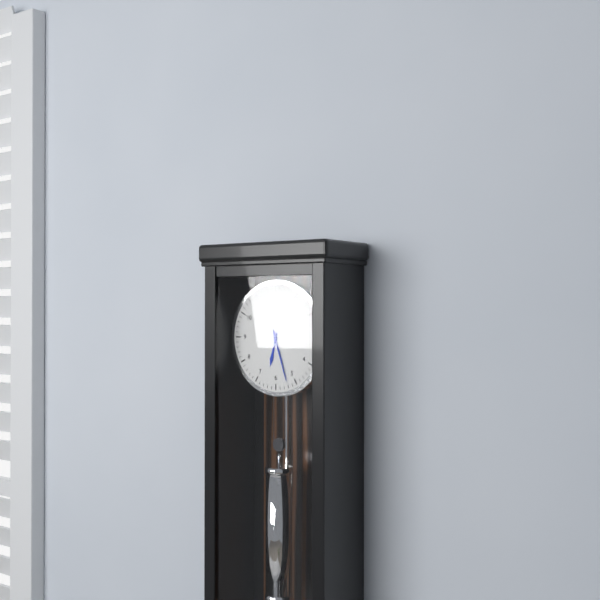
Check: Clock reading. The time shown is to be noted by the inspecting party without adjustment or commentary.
6:27
